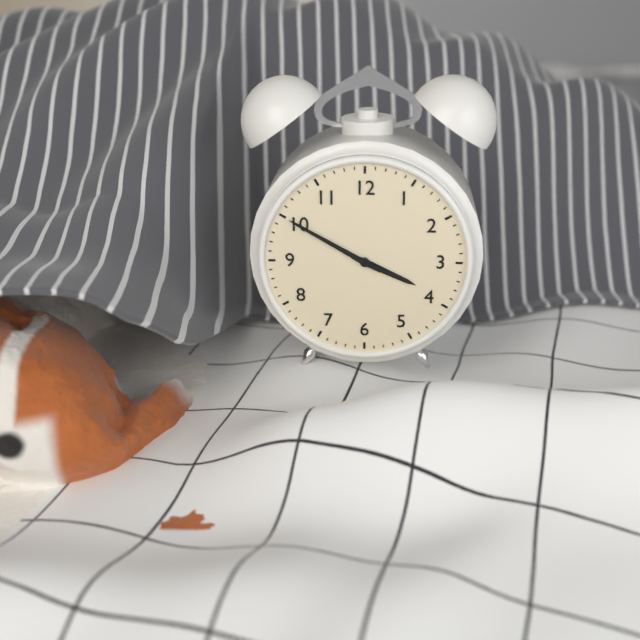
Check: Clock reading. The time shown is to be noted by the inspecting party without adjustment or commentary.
3:50
